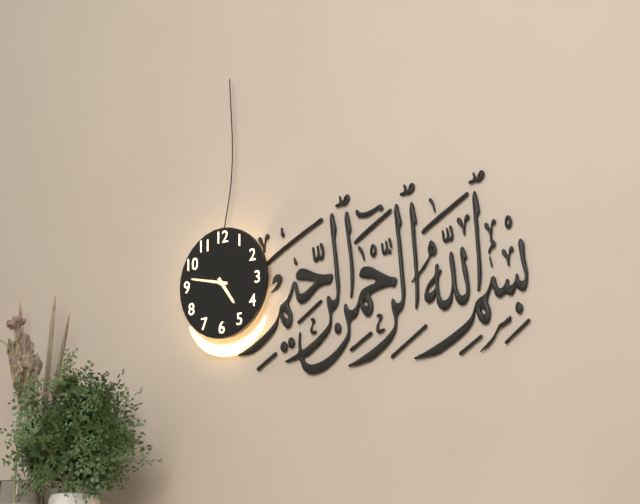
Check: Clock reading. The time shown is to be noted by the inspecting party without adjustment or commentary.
4:47
